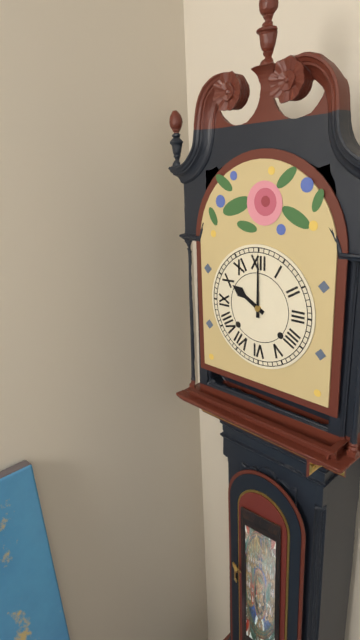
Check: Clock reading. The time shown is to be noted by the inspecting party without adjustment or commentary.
10:00
